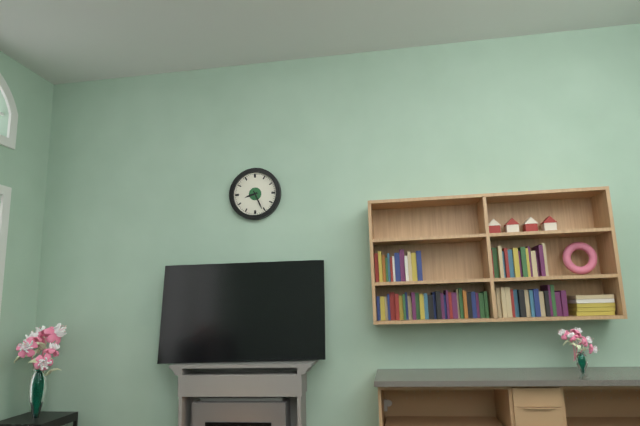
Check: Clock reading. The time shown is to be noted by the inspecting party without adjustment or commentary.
8:26
